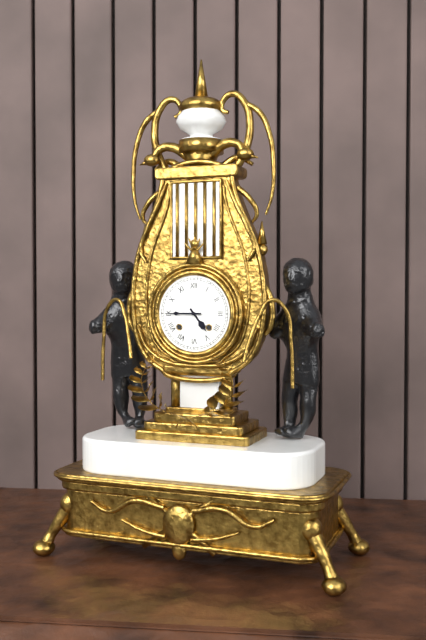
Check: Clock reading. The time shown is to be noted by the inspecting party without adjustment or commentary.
4:45
